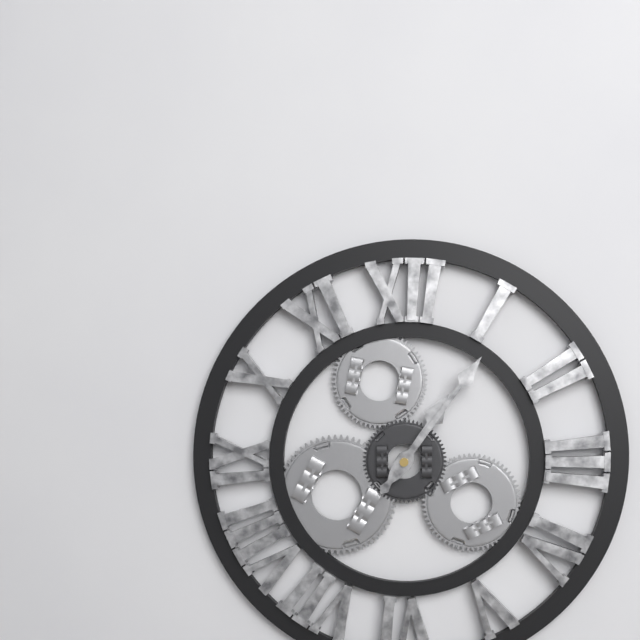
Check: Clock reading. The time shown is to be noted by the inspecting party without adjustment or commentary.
1:06
